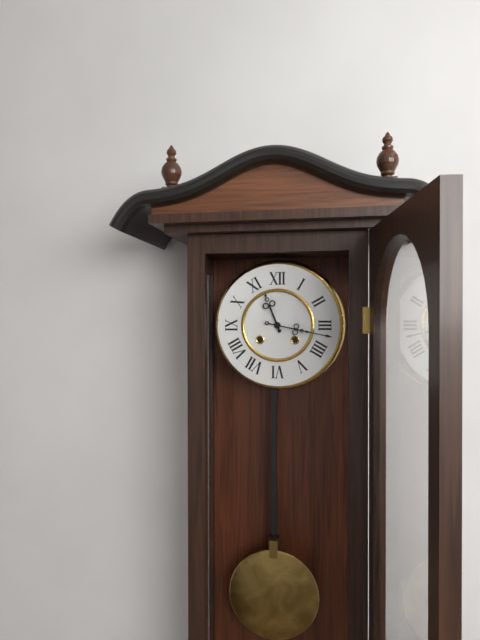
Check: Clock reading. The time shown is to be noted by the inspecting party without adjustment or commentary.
11:17
